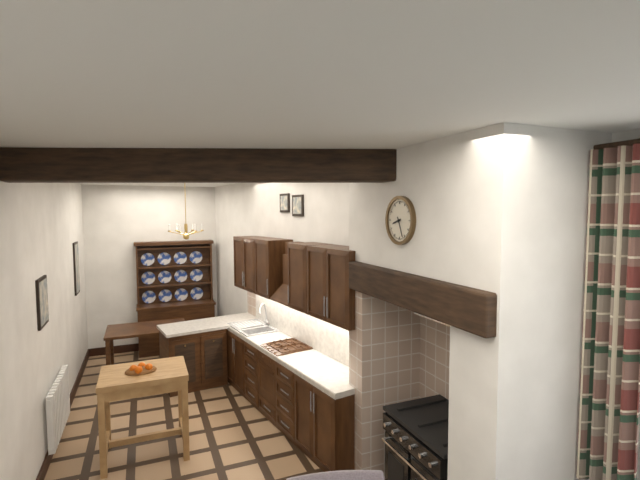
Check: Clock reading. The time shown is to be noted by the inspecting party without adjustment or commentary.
8:26
